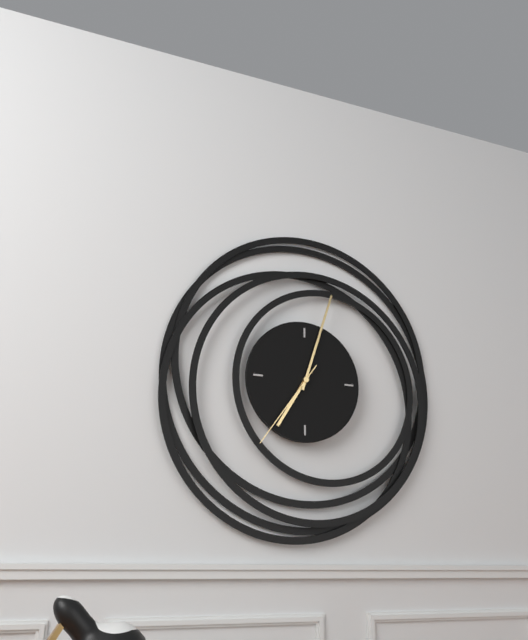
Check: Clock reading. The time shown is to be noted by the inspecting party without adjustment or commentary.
7:03:36
